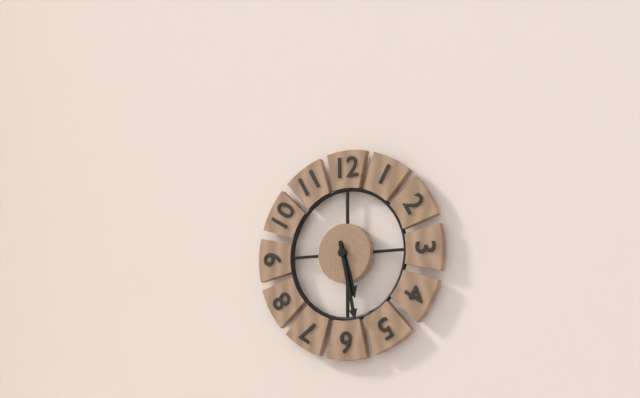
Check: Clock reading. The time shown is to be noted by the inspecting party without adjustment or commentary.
5:28
